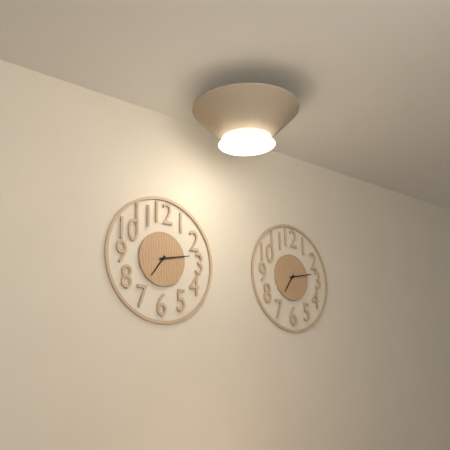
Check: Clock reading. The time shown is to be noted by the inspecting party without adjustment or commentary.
7:13
